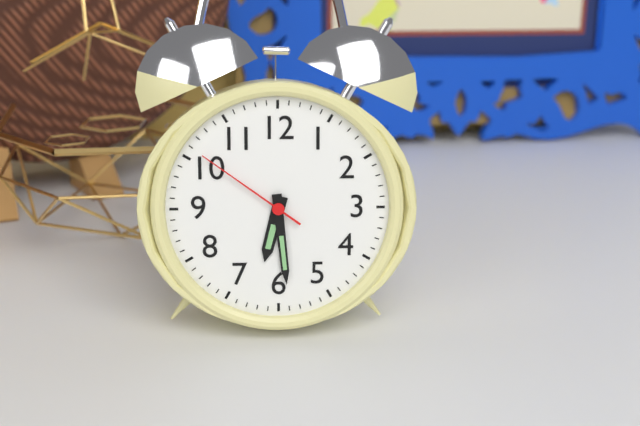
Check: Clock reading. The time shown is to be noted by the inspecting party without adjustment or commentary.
6:29:51
